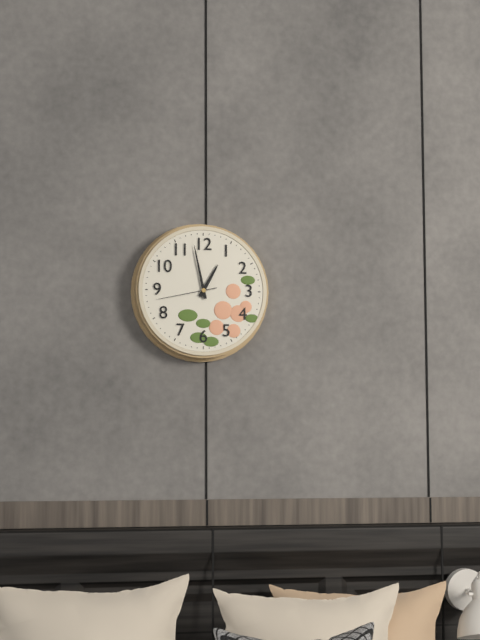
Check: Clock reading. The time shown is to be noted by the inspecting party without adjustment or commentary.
12:58:43
